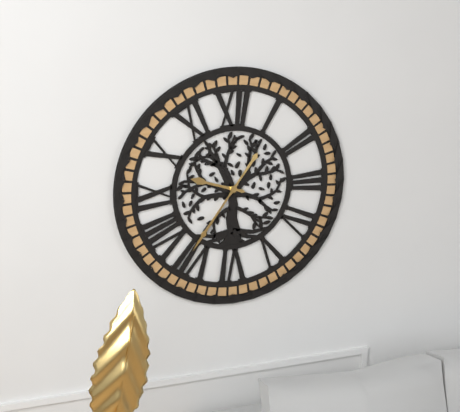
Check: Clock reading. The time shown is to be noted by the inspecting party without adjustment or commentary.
9:36
